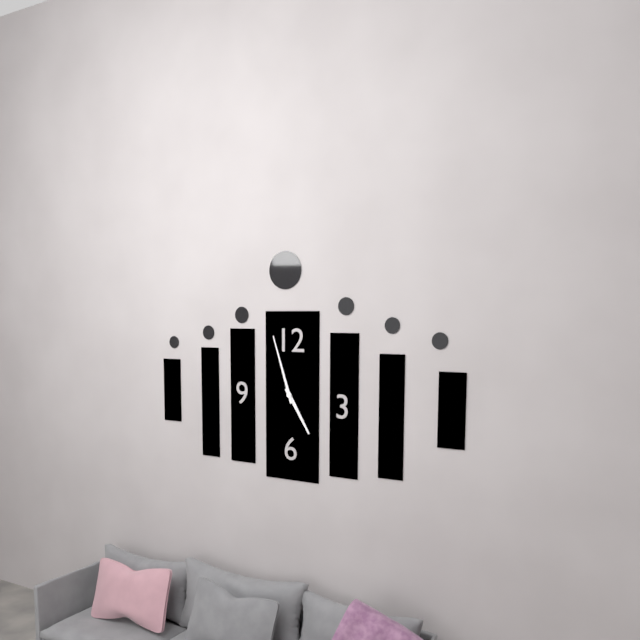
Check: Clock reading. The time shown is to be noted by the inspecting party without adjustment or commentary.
4:57
